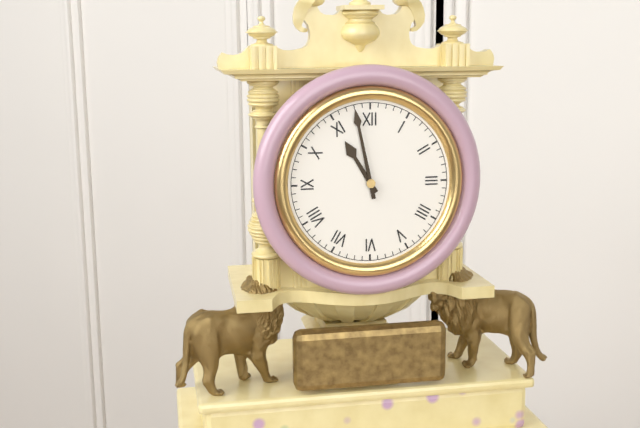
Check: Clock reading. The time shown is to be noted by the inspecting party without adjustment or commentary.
10:58
